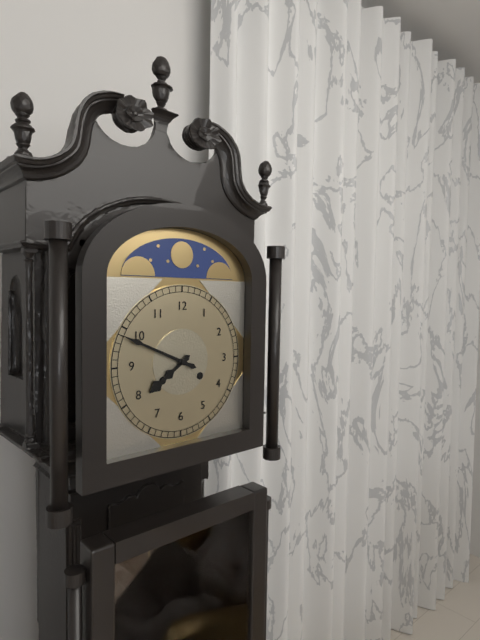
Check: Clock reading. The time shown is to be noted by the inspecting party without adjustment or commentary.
7:49
